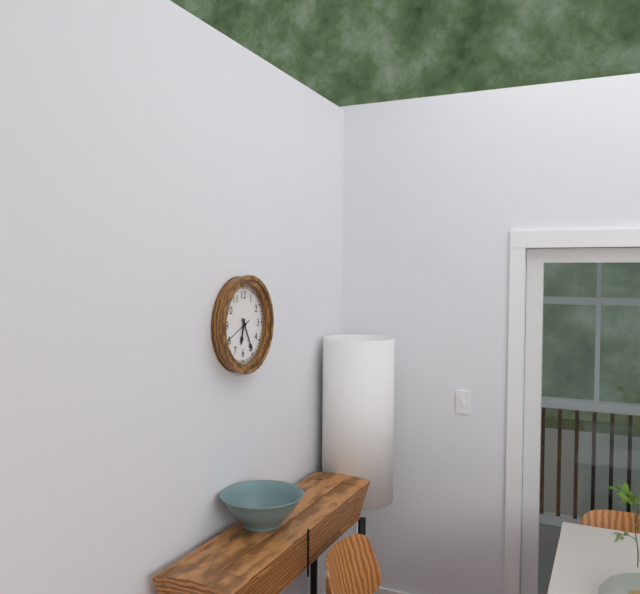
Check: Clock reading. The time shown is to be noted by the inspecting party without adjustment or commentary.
6:25
